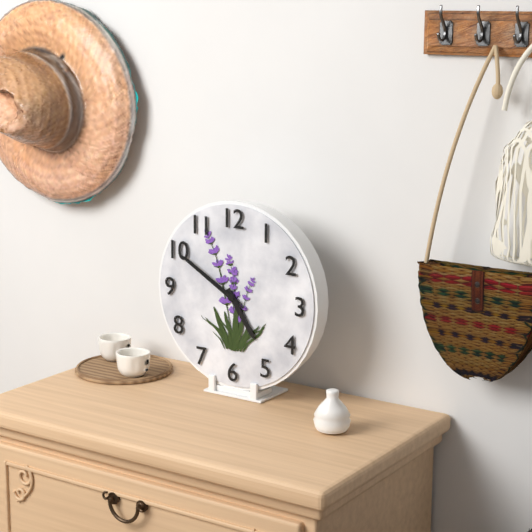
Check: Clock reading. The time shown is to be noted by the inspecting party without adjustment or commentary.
4:50:50
